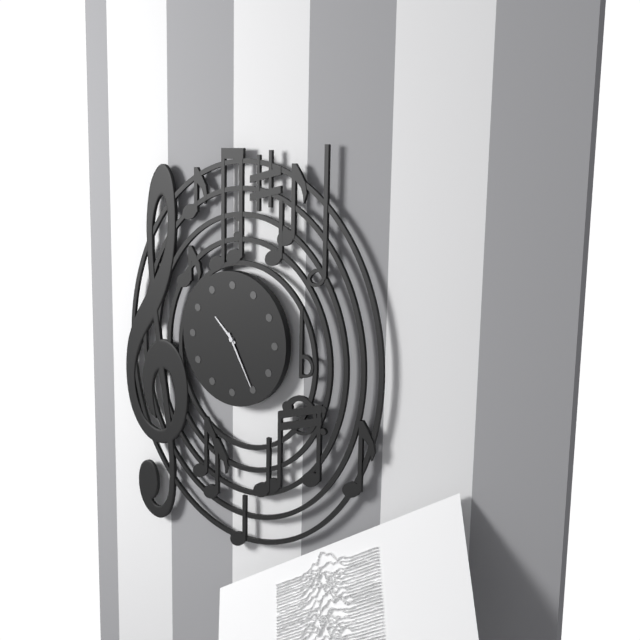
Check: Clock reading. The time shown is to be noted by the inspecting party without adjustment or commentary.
10:25
